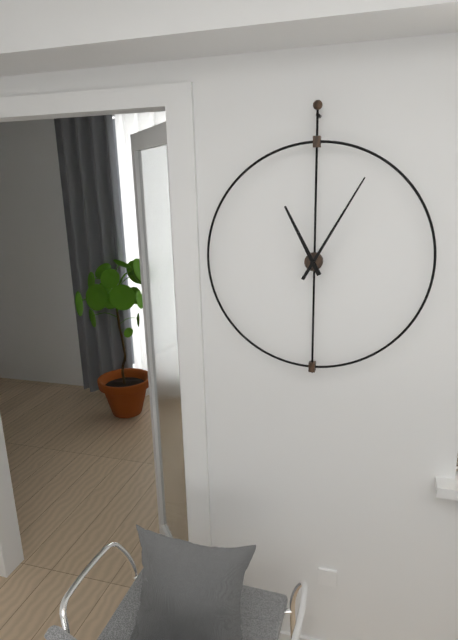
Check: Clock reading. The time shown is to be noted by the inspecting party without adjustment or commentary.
11:05
